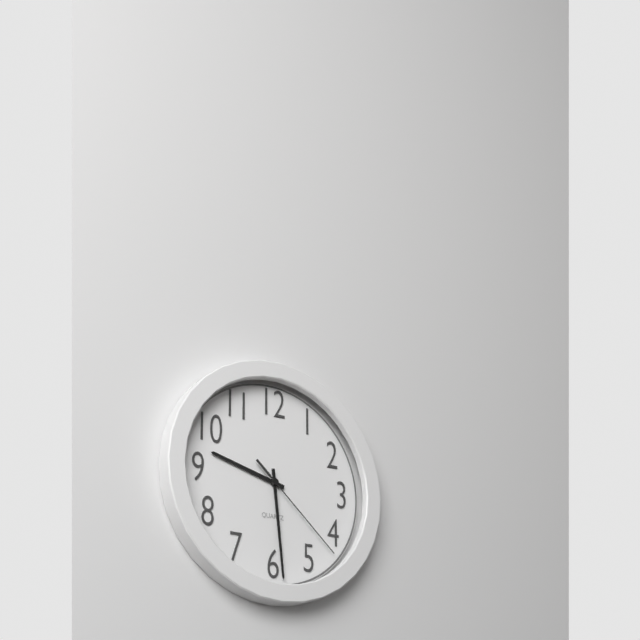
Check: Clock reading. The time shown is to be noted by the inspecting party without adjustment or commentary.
9:29:22
